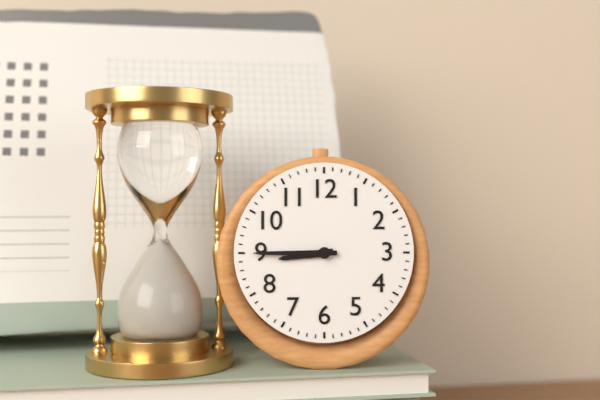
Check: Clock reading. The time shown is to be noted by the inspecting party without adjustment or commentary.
8:45
